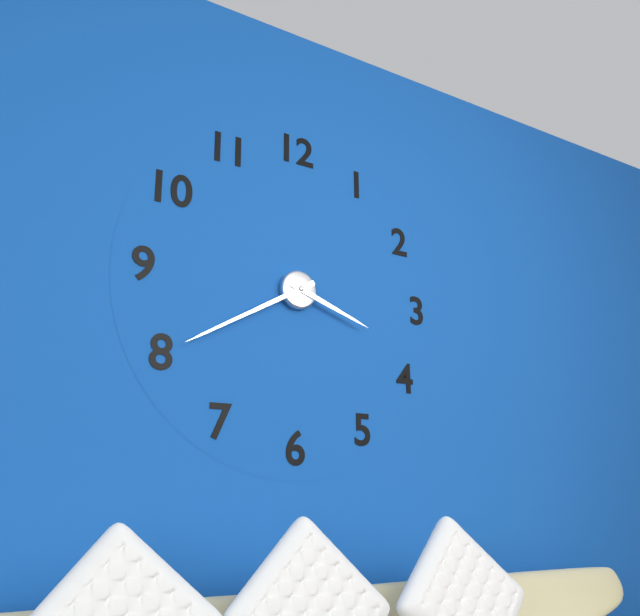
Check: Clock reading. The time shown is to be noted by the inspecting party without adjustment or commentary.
3:40
